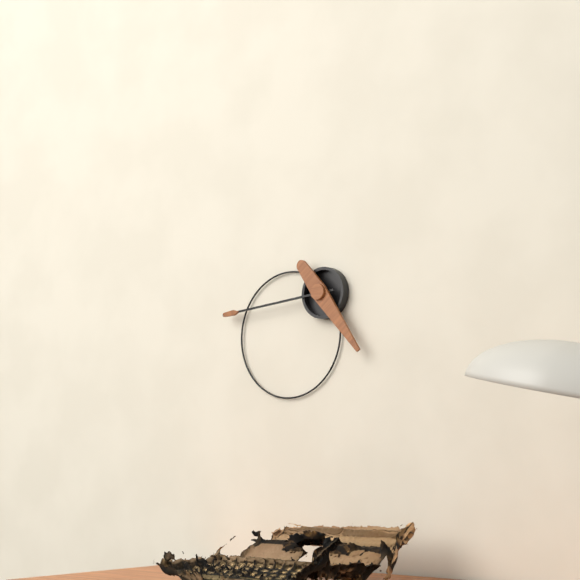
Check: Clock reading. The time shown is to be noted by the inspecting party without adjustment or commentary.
4:44
